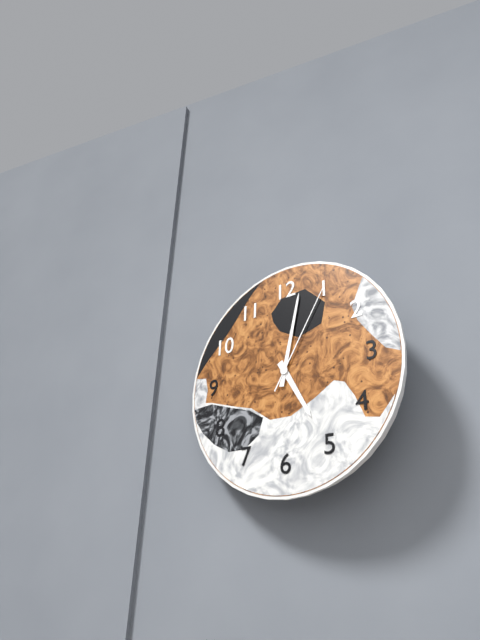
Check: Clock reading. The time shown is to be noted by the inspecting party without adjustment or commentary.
5:02:05
